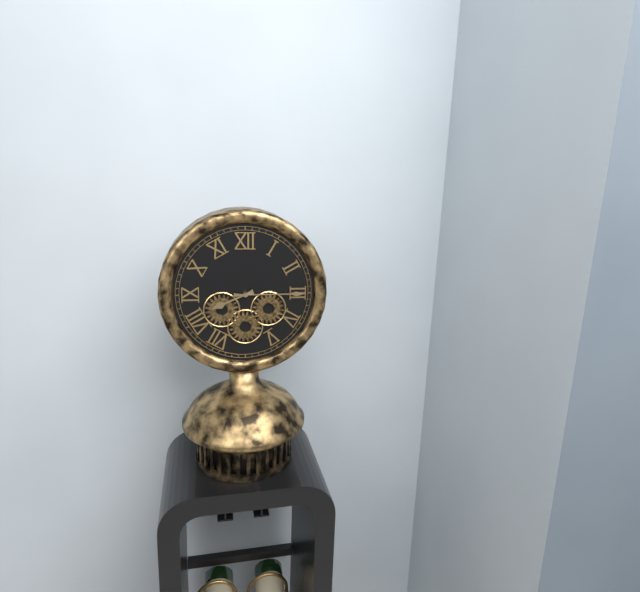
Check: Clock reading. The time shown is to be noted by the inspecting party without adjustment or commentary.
8:15
